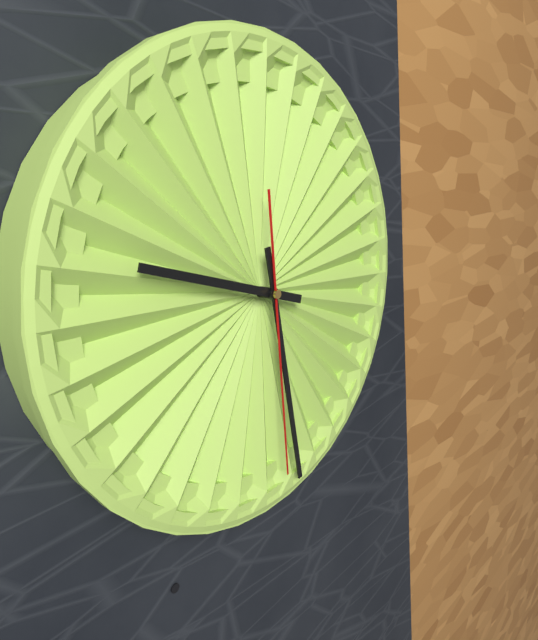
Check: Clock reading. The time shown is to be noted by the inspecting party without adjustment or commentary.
9:28:29
